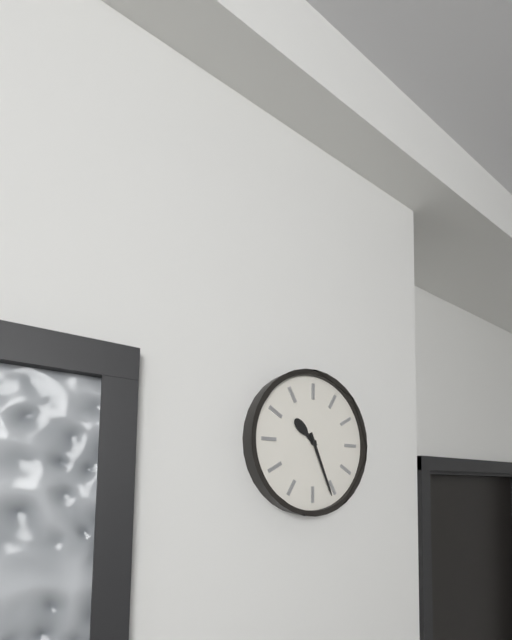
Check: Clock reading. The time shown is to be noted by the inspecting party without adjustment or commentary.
10:26
